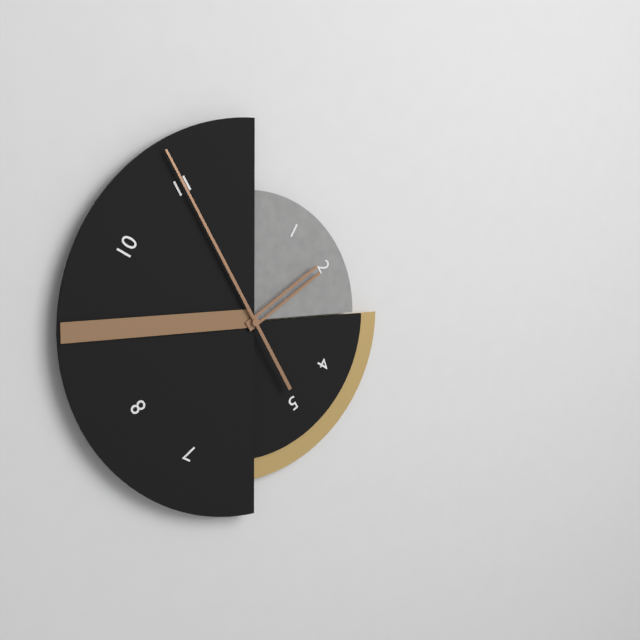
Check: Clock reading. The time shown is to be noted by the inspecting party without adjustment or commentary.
1:55
